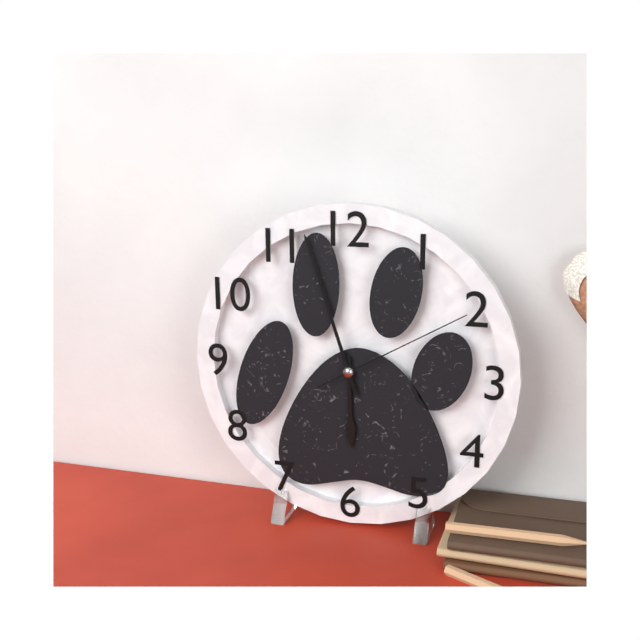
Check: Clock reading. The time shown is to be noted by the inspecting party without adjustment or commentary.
5:57:10
